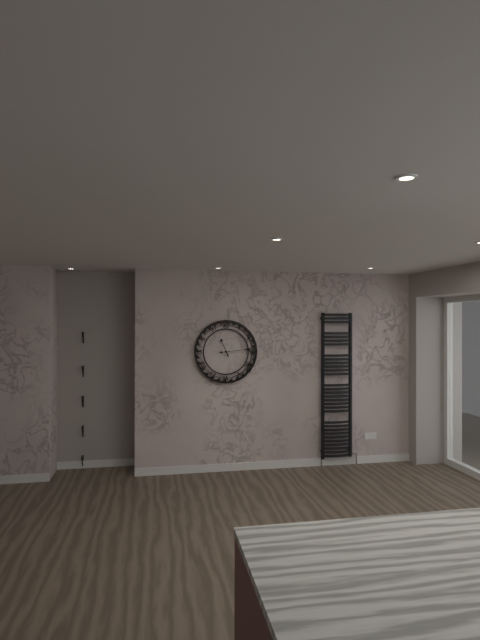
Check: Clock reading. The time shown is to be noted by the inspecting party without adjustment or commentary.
11:14
